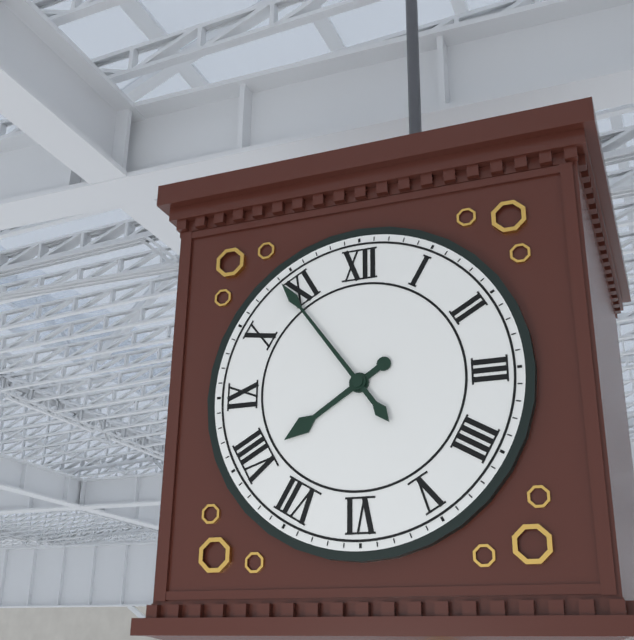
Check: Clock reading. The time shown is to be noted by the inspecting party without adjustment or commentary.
7:54
